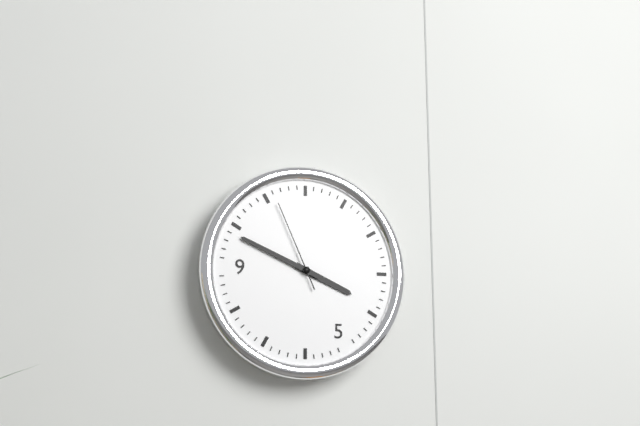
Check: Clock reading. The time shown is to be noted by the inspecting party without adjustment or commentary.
3:49:56
